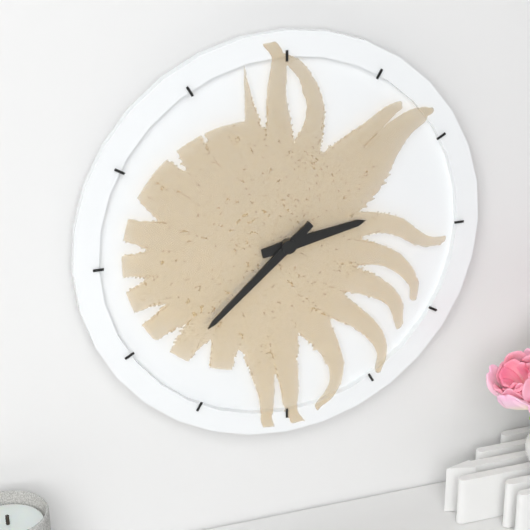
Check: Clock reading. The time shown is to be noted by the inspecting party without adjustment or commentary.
2:38
